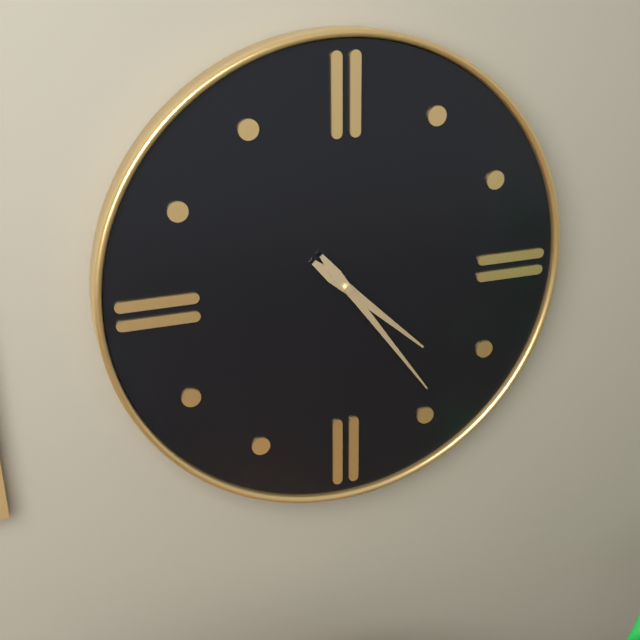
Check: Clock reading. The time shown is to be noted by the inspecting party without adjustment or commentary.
4:24
